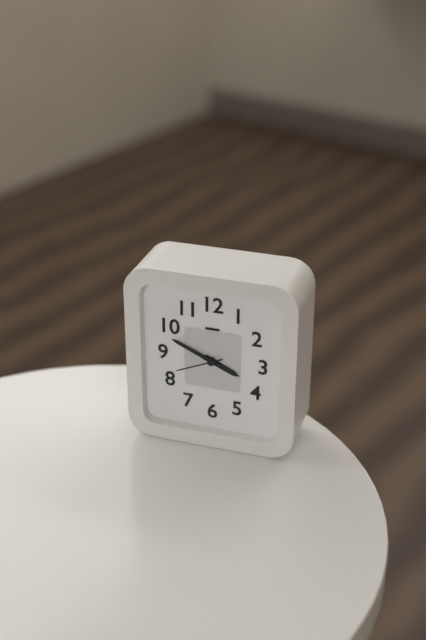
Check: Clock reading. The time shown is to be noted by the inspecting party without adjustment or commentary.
3:49
